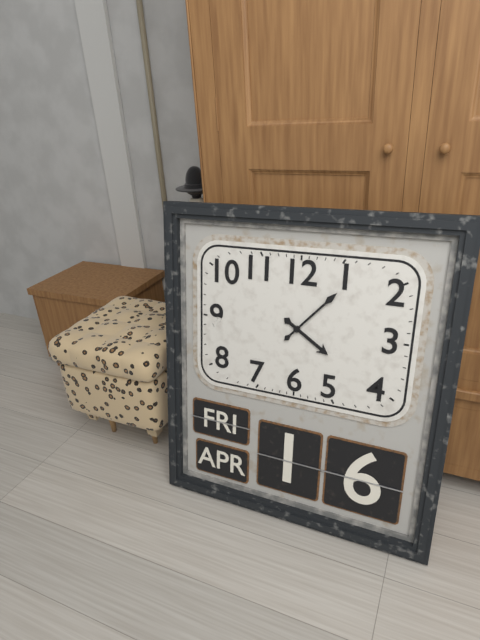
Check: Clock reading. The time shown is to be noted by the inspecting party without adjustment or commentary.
4:07
